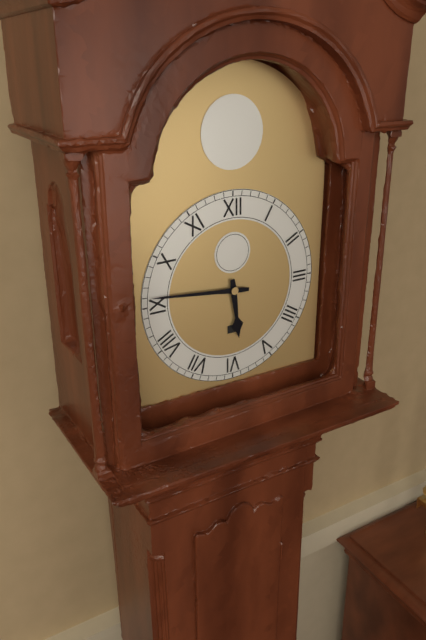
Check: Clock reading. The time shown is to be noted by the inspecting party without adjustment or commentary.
5:46
